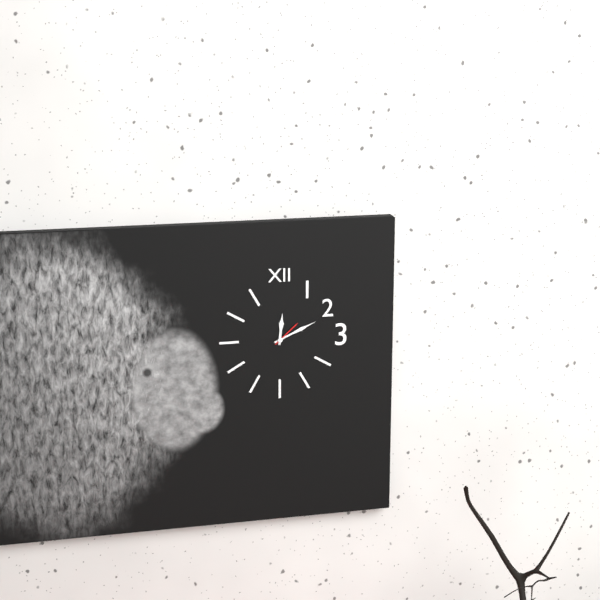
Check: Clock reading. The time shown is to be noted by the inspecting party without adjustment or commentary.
12:11
